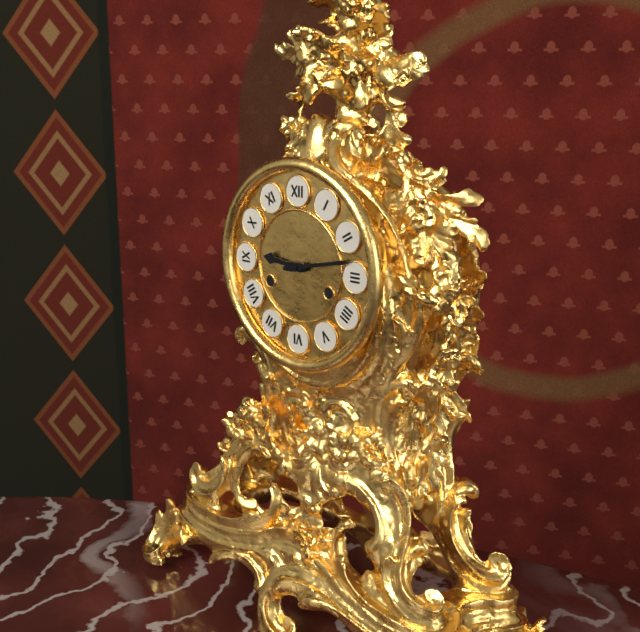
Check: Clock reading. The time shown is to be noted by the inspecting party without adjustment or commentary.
9:13
